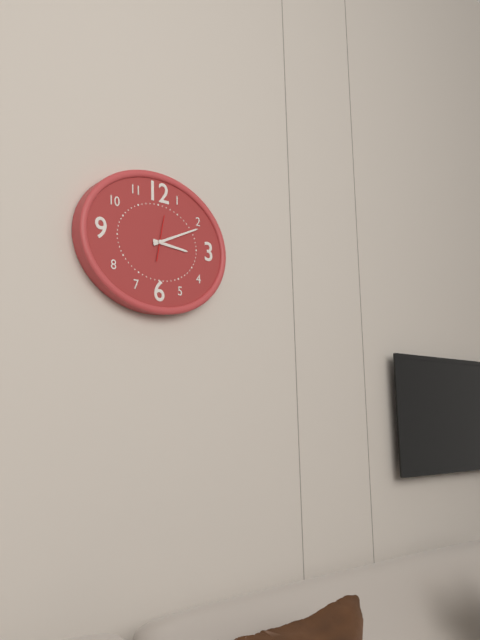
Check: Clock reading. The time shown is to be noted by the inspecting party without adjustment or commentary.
3:11
